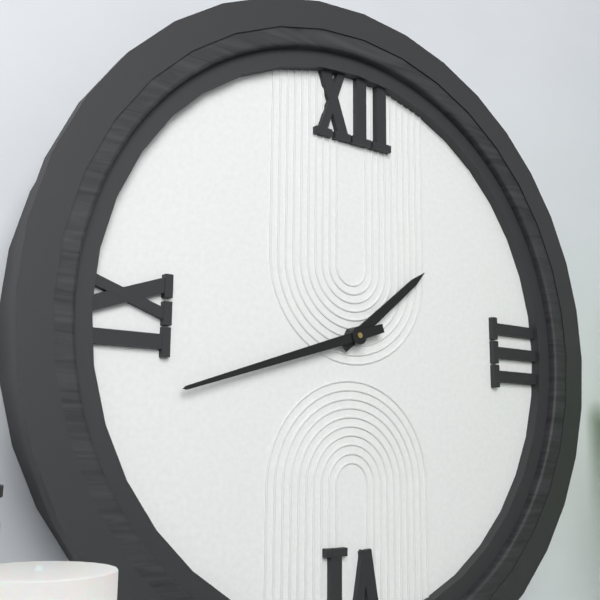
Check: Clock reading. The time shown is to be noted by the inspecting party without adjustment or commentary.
1:42
